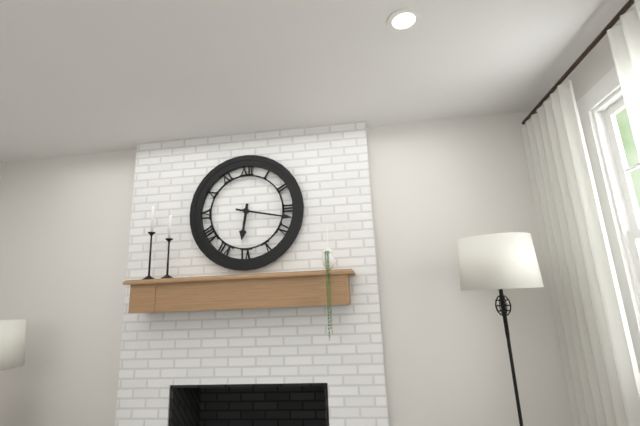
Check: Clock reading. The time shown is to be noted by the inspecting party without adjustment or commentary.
6:17
